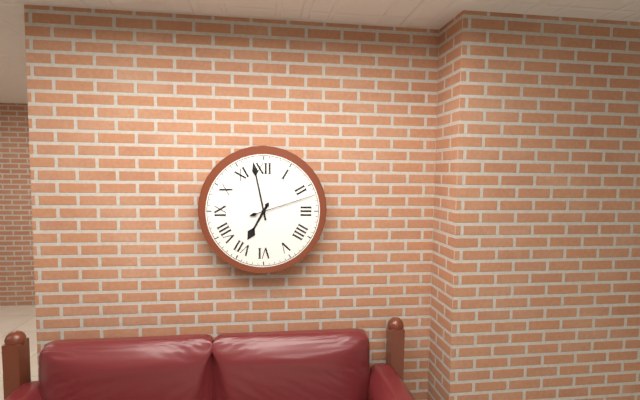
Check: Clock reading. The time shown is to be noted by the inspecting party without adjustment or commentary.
6:58:12
